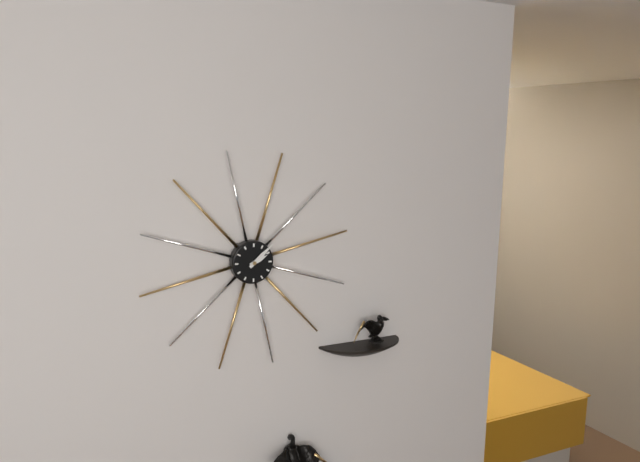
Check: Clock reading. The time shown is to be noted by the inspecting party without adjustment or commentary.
2:08
